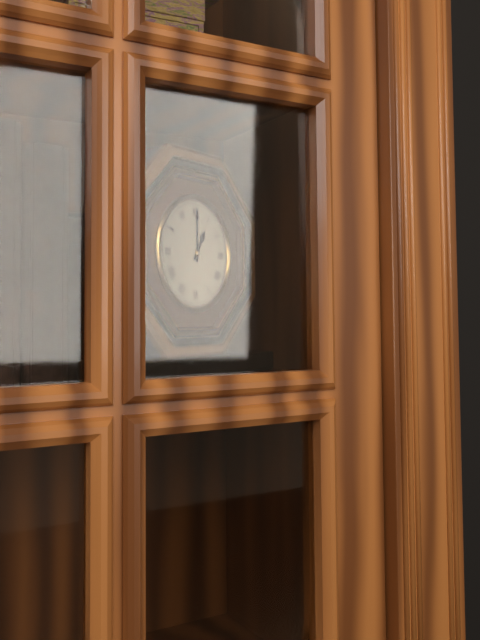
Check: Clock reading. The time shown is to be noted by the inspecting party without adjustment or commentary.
1:00
